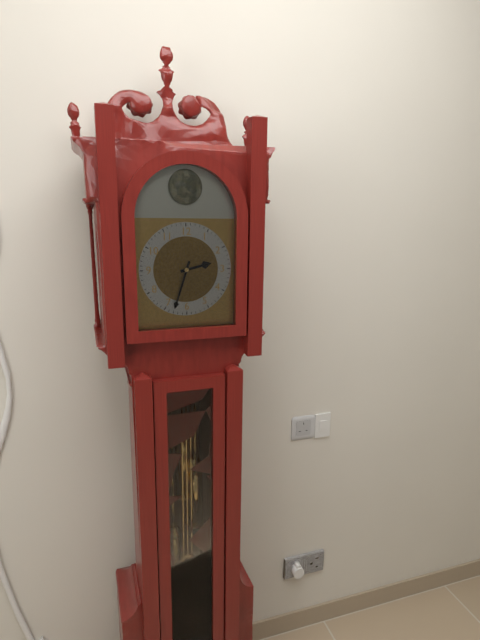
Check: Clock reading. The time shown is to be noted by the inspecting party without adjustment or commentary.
2:33
